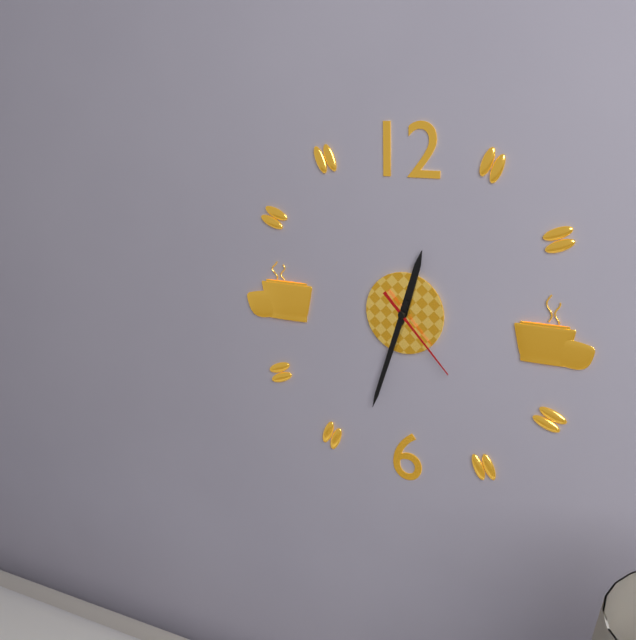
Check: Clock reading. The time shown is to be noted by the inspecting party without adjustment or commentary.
12:33:23
